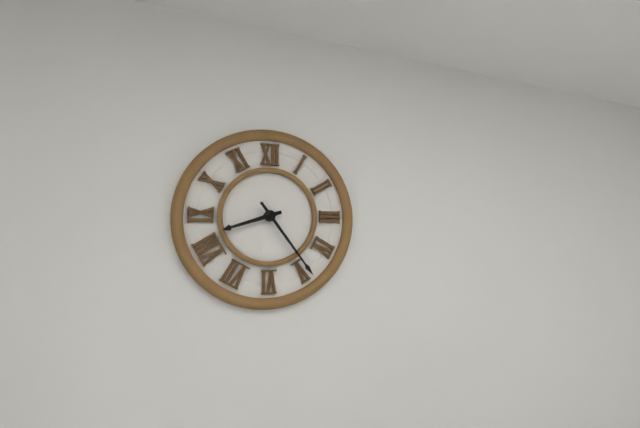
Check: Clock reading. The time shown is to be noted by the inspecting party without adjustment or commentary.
8:24
